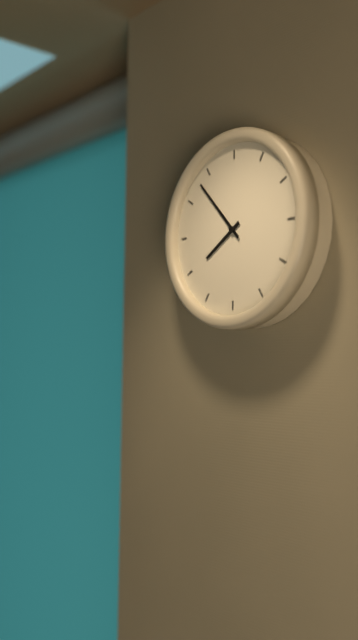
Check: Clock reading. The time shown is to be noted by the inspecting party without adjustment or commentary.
7:53
